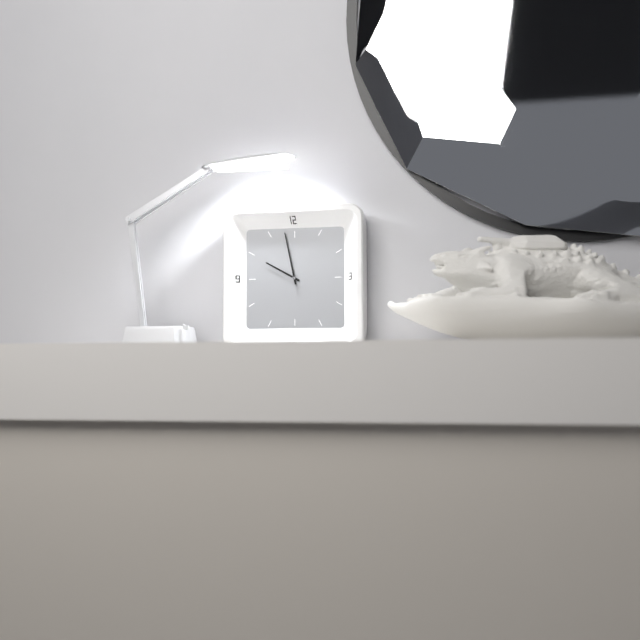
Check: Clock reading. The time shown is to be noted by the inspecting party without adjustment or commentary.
9:58
